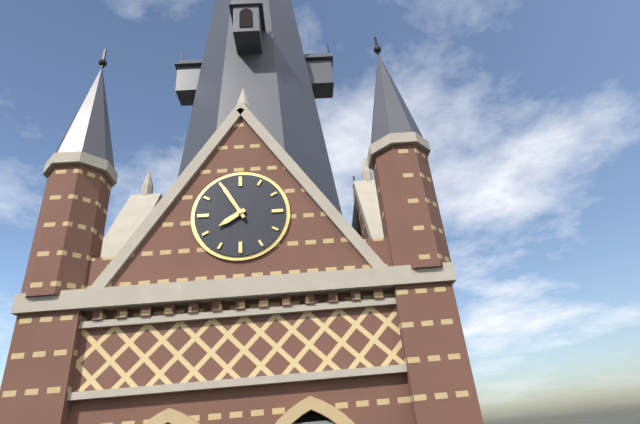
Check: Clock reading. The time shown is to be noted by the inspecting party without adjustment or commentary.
7:55
